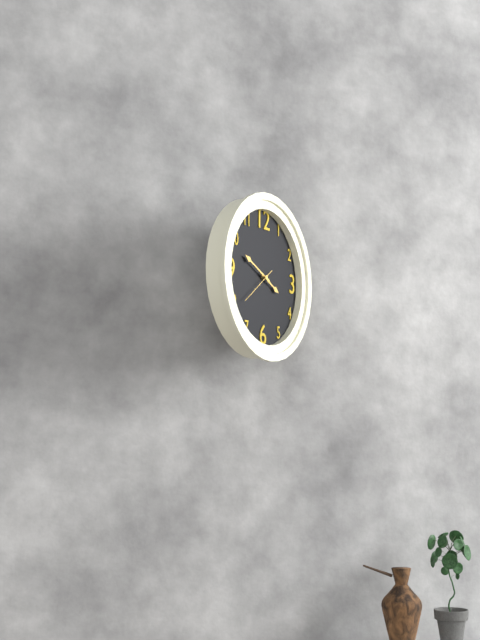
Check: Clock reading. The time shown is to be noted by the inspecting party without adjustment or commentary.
3:49
